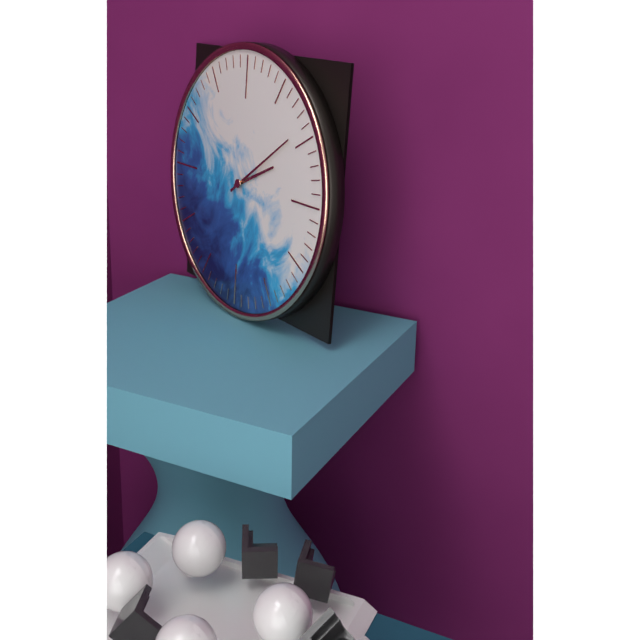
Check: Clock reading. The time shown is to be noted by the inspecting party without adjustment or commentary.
2:09
